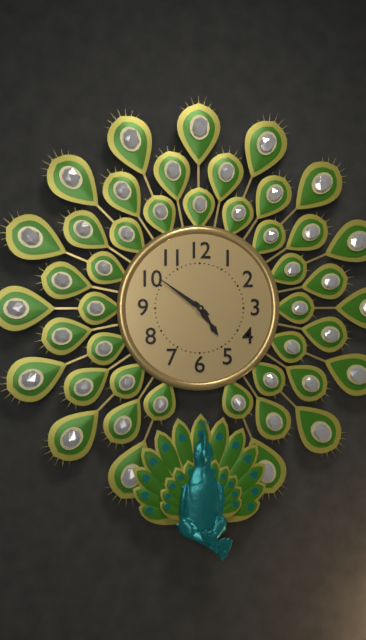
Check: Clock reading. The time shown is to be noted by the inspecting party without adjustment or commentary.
4:51
